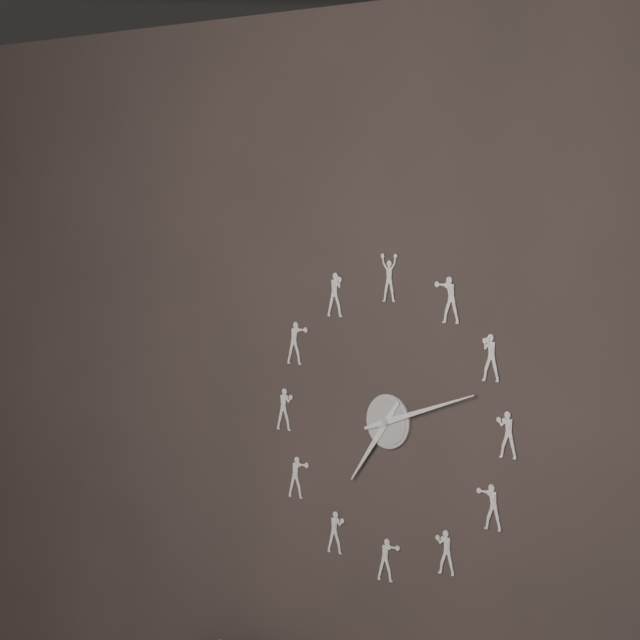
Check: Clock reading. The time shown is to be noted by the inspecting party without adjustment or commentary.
7:12
